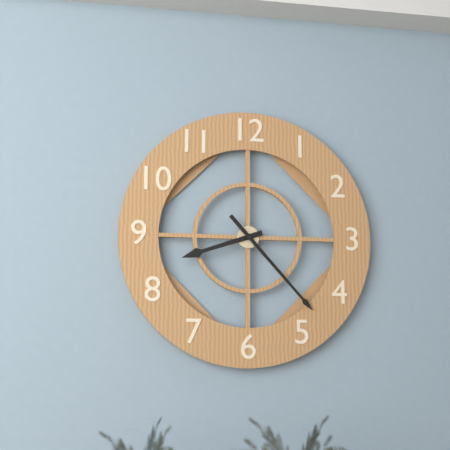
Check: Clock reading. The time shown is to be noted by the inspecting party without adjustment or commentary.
8:23
